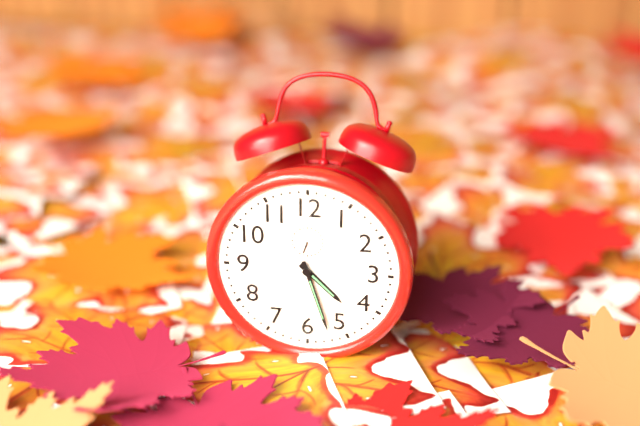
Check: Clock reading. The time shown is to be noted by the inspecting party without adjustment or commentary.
4:27
